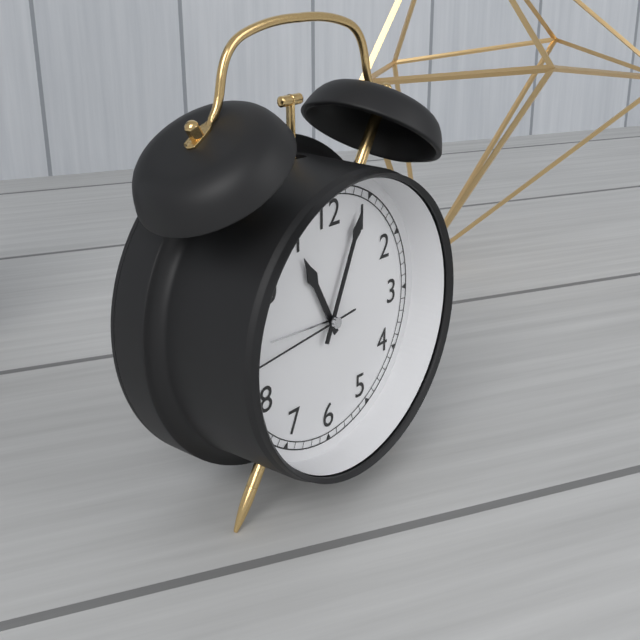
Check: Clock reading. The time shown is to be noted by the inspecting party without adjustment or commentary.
11:04:44
